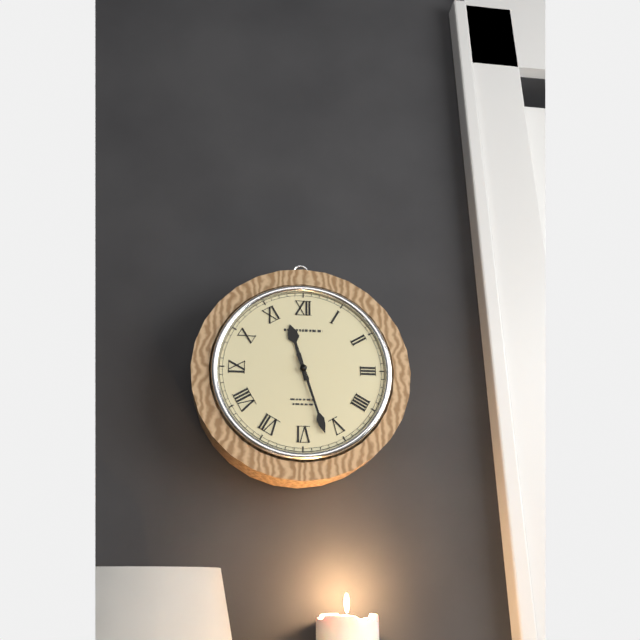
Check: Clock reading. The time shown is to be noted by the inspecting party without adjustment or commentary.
11:27
